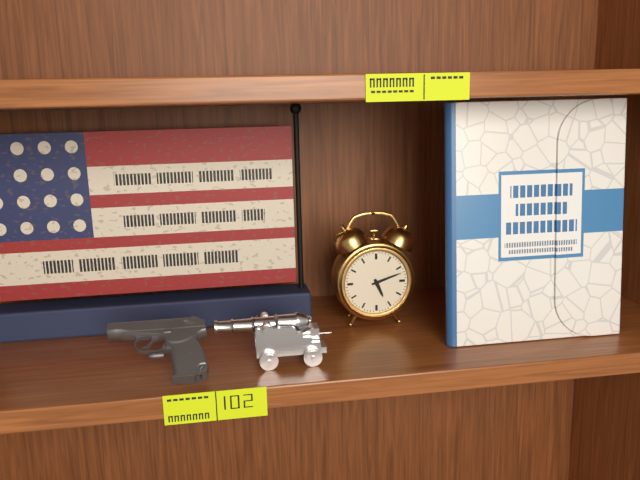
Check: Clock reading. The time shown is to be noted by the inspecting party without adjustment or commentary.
5:12
